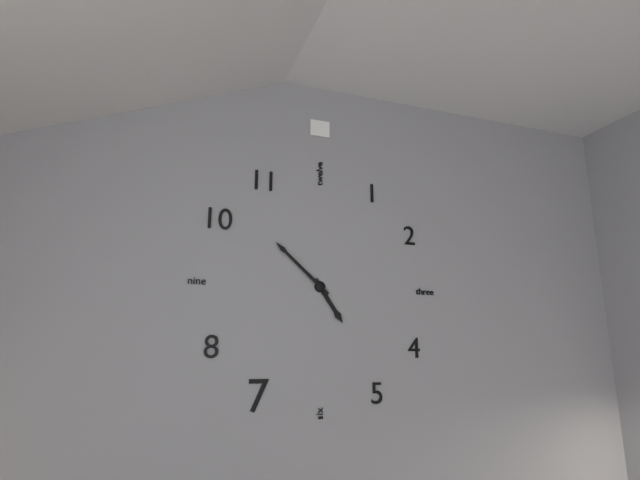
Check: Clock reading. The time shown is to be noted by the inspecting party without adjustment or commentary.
4:52
